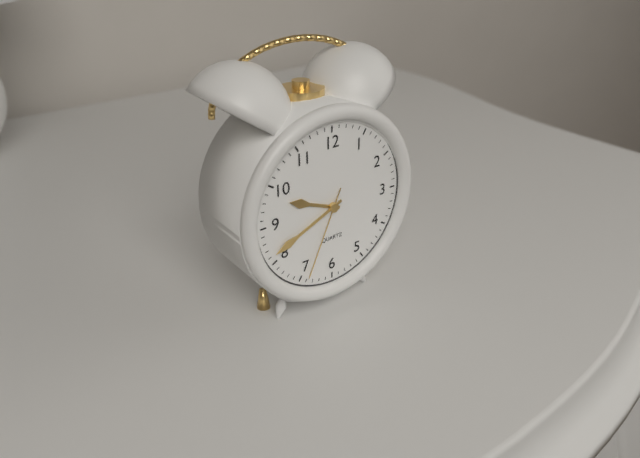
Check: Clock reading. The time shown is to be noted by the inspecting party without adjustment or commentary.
9:41:34
